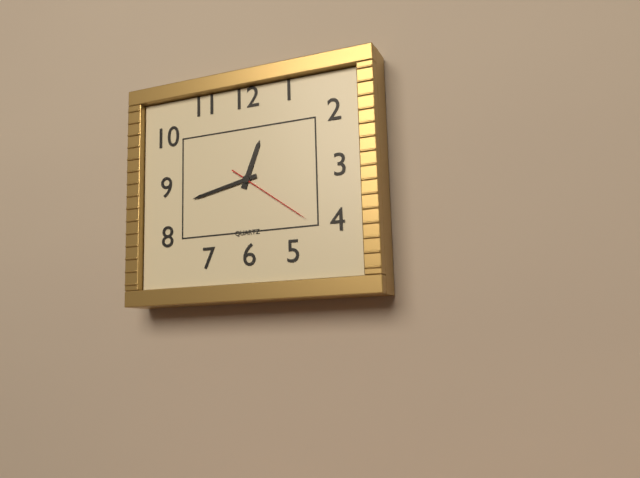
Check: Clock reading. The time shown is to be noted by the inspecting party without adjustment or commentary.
12:43:21
